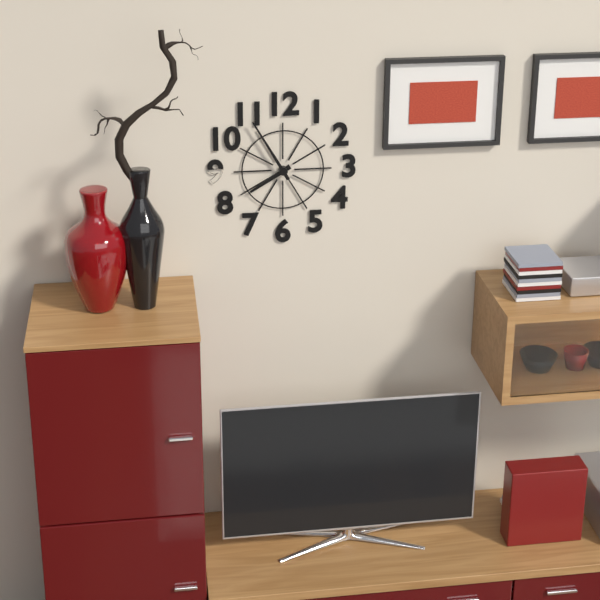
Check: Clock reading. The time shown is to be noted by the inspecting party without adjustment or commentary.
7:55
